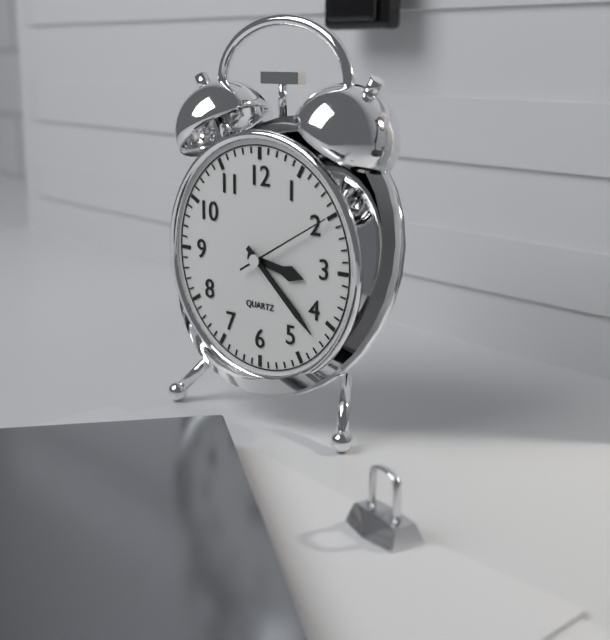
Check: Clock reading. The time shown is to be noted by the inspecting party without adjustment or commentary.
3:22:10
